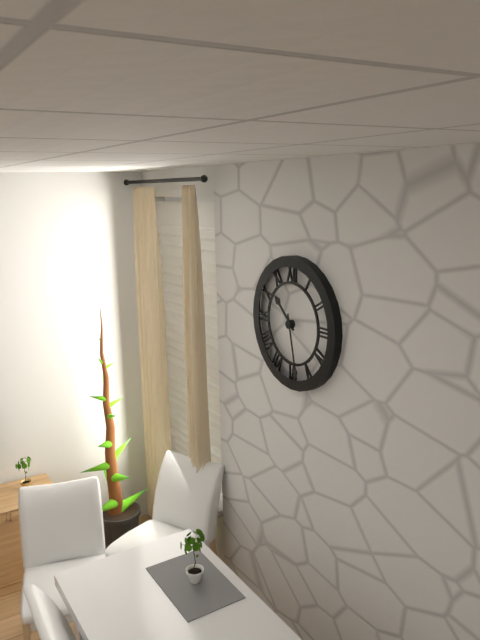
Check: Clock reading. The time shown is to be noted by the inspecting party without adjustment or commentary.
10:28
